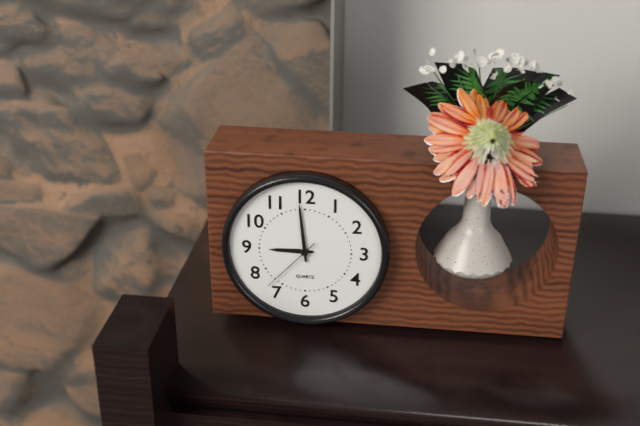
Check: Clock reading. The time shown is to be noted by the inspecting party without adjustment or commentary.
8:59:37
